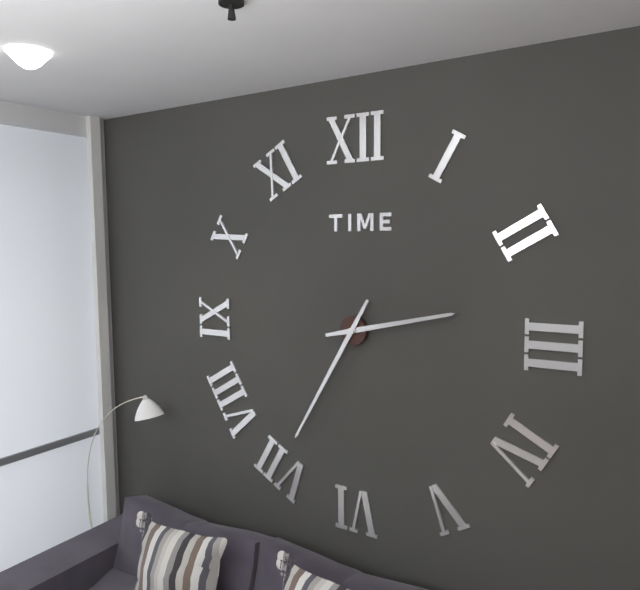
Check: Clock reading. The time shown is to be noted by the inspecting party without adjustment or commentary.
2:35
